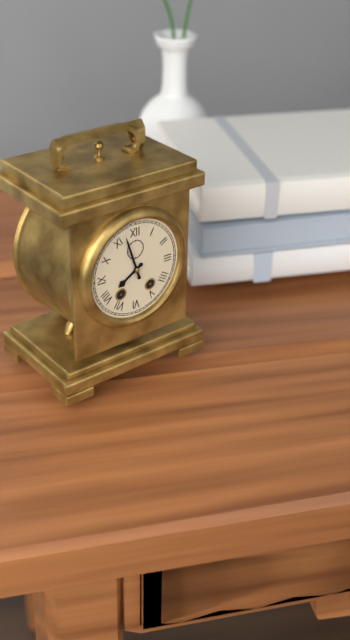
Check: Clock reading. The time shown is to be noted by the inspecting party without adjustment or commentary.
7:57
